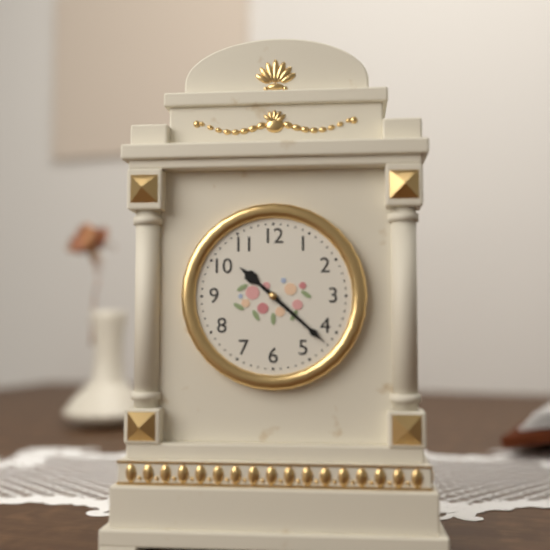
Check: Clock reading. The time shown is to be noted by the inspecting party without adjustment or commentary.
10:22
